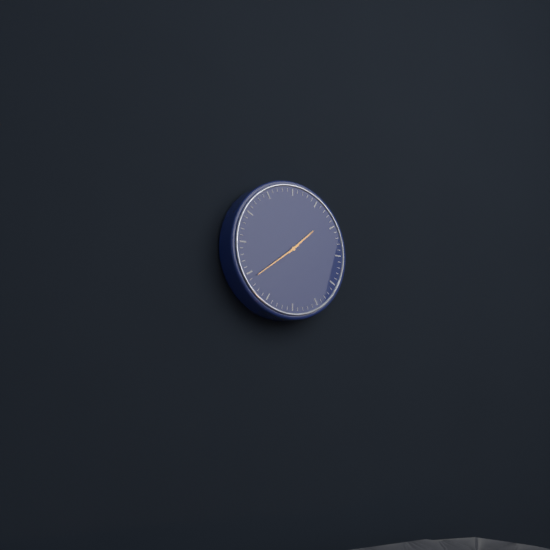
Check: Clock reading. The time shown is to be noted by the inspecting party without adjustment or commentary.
1:39
